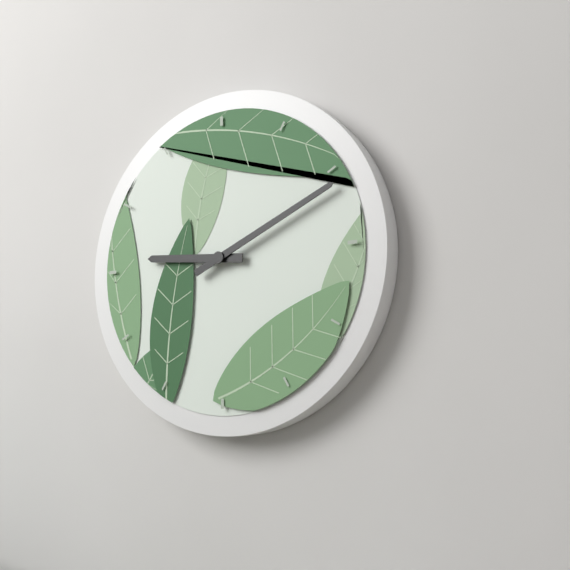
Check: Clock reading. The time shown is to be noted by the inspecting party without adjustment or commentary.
9:11
